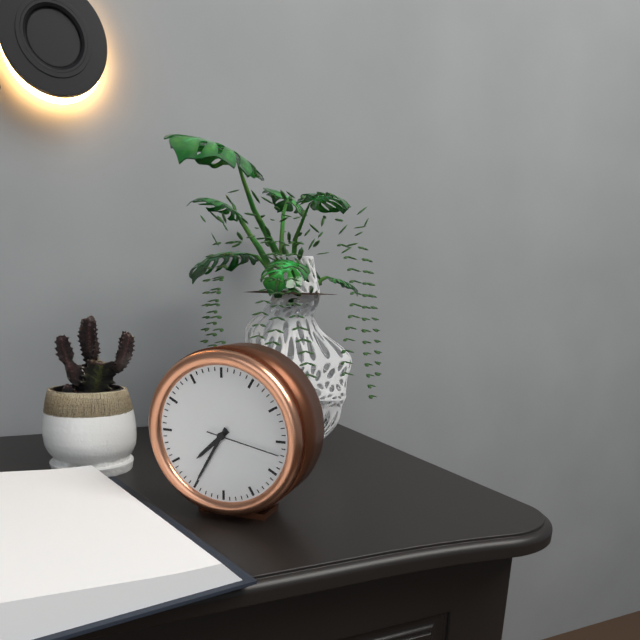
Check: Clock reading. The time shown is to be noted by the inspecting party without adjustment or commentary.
7:35:17
